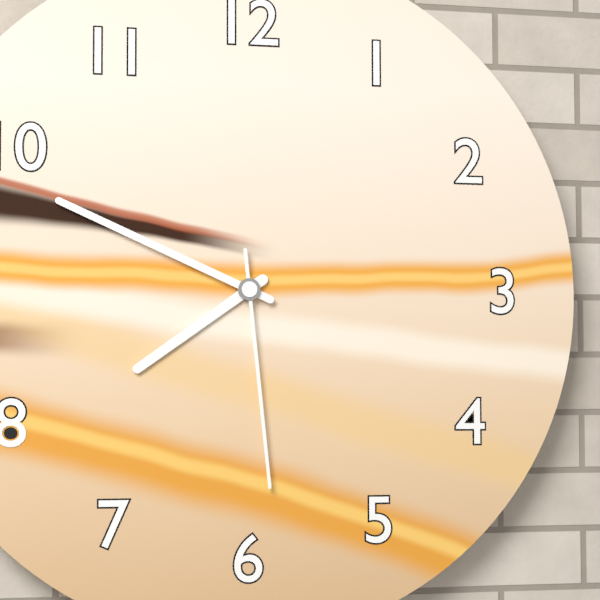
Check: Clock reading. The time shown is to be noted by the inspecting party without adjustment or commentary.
7:49:29
